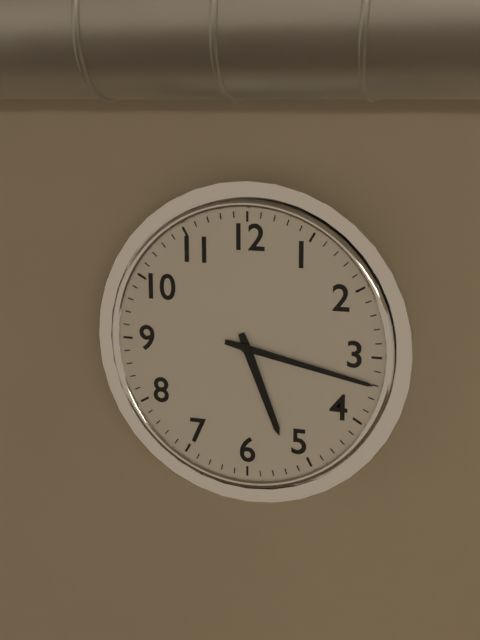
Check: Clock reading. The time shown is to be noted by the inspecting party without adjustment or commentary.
5:17
